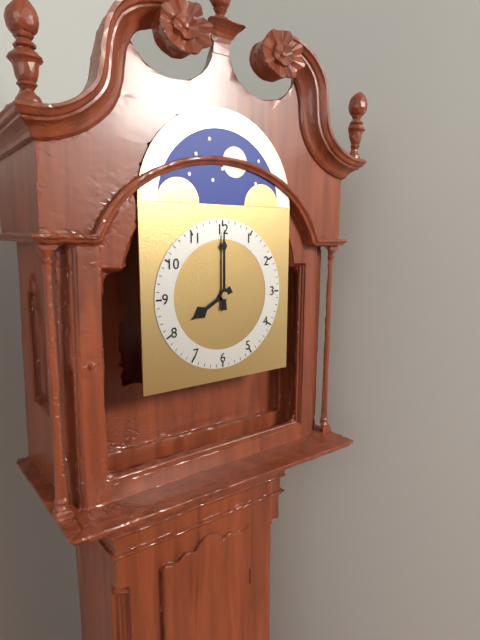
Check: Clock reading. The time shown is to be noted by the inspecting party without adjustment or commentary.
8:00
